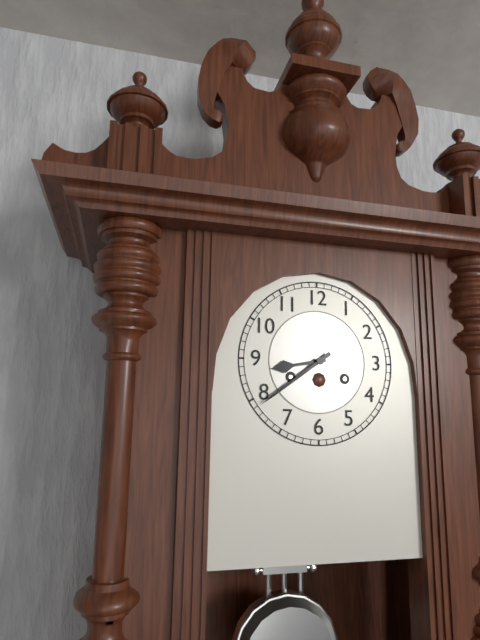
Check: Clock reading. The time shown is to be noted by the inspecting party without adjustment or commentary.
8:39
